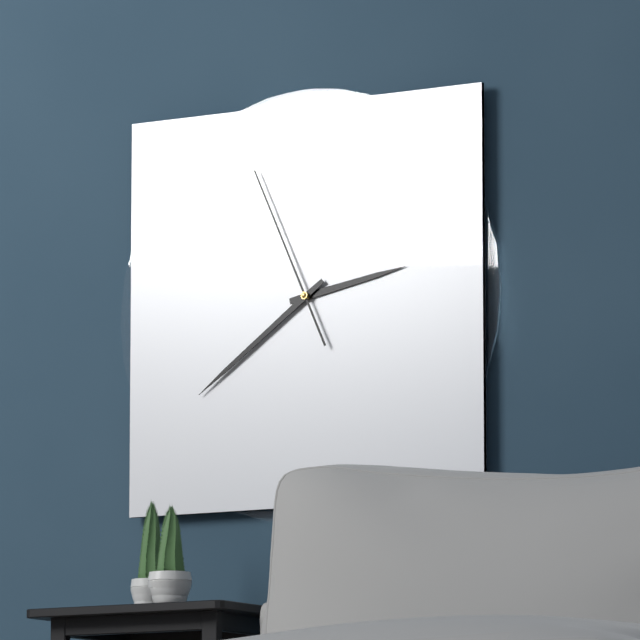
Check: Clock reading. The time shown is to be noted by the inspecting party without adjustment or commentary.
2:39:56
